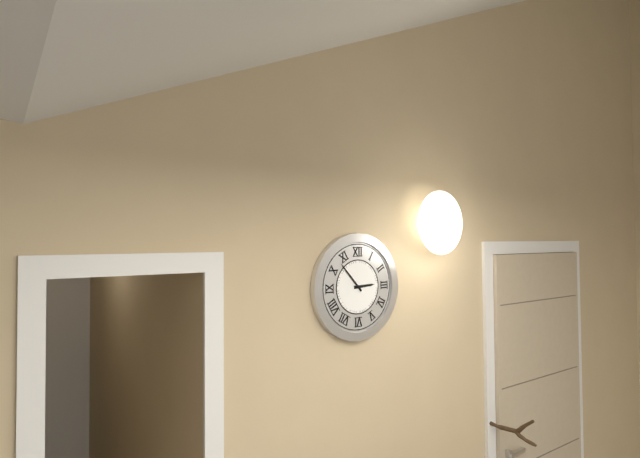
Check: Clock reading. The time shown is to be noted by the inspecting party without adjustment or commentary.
2:53
